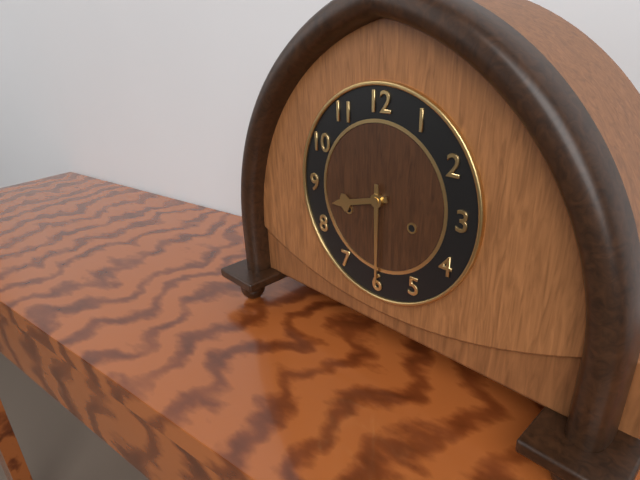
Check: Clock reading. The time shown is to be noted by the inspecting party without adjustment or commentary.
8:30
